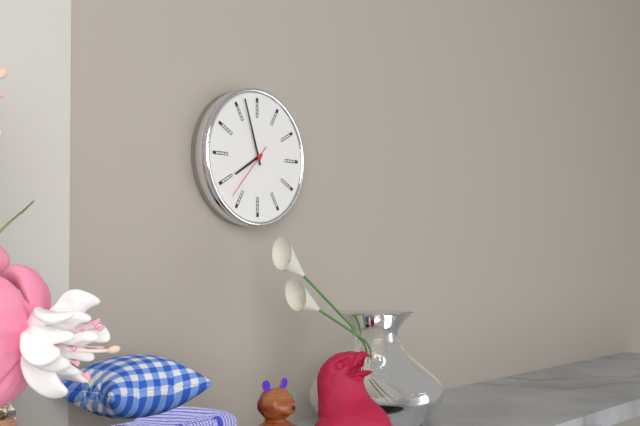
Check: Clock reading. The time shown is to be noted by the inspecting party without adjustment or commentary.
7:57:37
